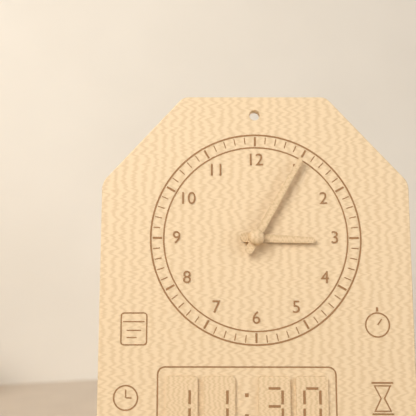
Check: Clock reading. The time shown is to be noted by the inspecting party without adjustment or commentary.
3:05
